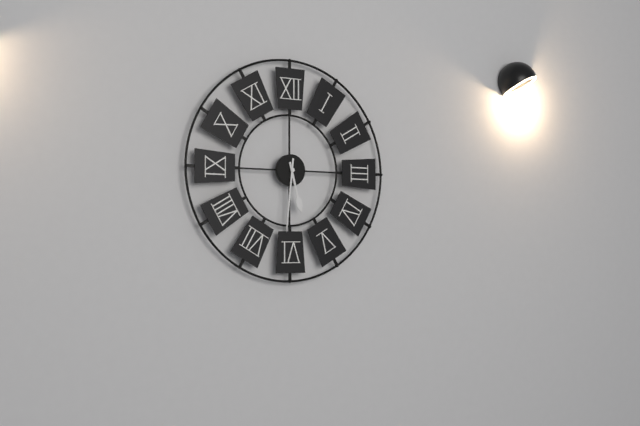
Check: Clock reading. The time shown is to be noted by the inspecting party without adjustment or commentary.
5:31
